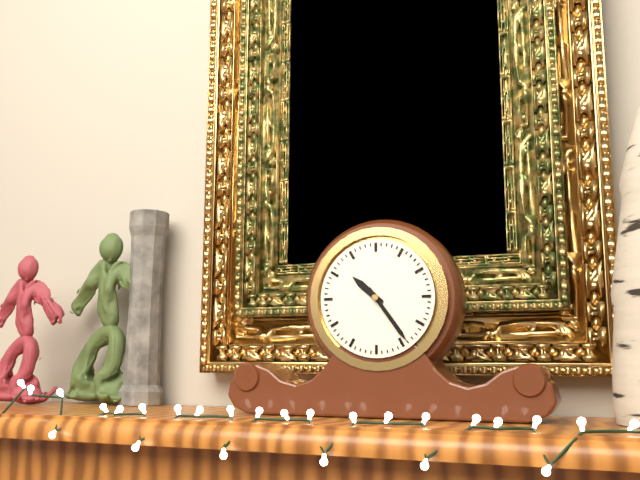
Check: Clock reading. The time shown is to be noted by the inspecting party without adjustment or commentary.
10:24
